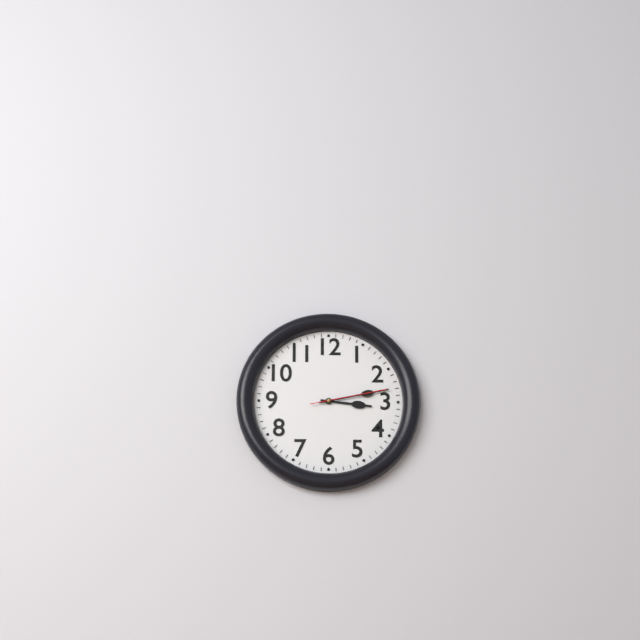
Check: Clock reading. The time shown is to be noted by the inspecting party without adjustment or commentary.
3:13:13
